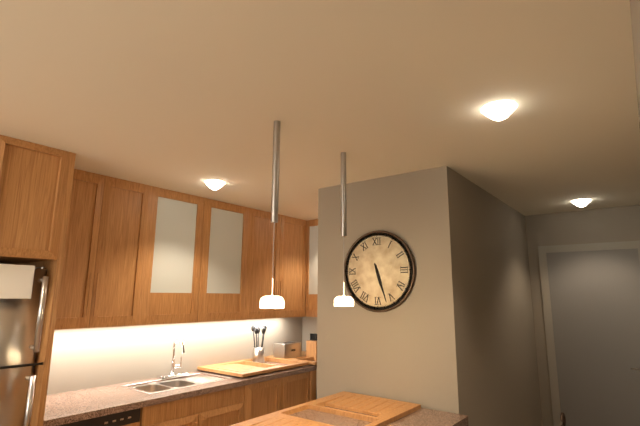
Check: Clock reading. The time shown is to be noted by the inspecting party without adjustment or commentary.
5:27
